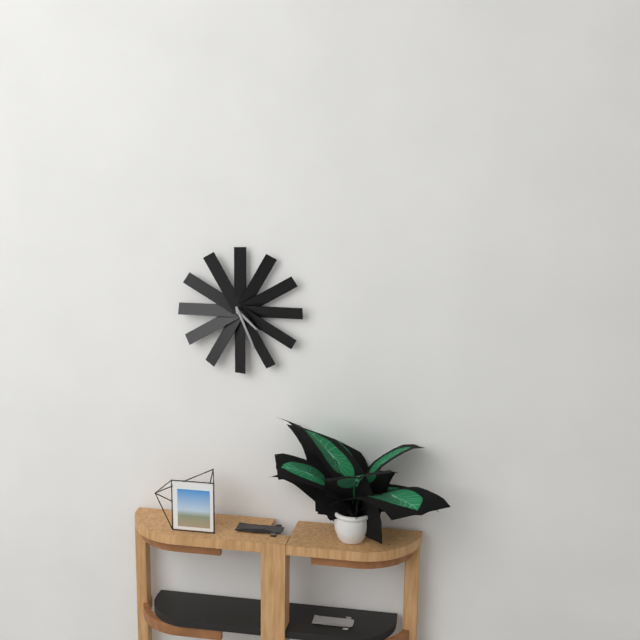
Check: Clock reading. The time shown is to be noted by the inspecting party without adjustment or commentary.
4:26
